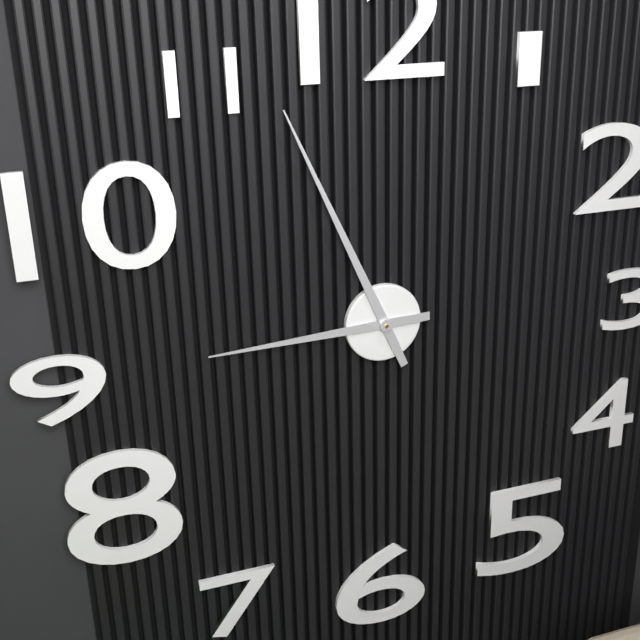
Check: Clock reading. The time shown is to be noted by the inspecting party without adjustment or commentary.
8:56
